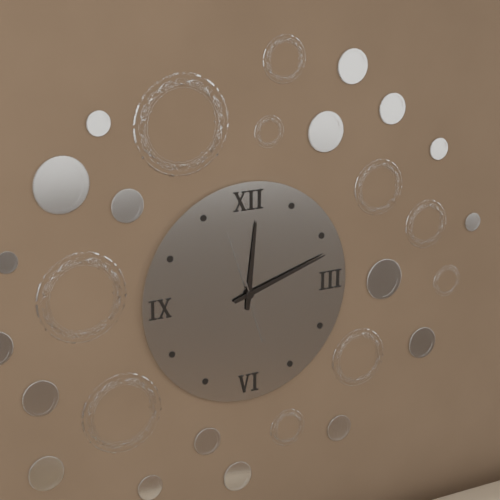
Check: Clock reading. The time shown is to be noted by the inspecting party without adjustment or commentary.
12:12:57
